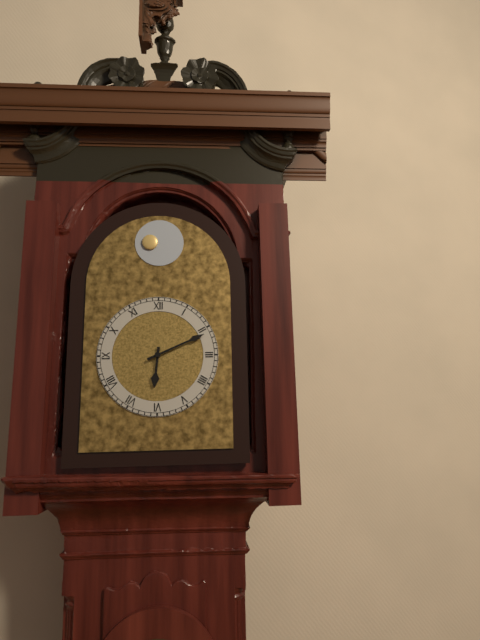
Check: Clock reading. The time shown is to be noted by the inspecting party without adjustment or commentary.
6:11
